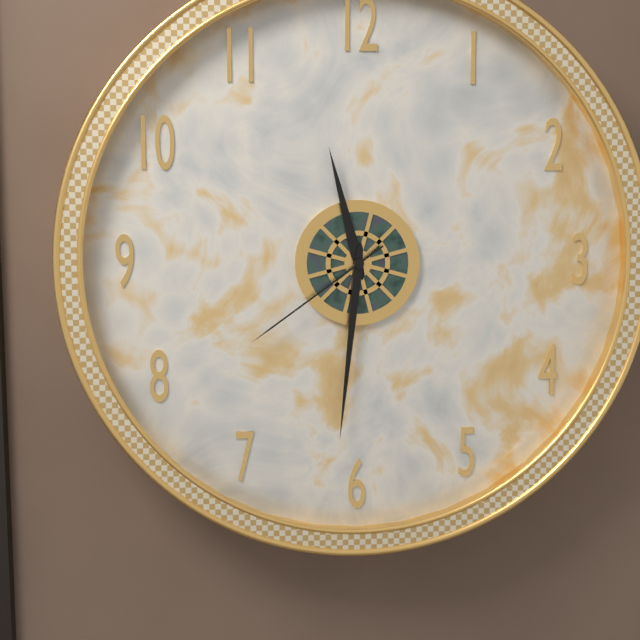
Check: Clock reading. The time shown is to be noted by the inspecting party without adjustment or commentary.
11:31:39
